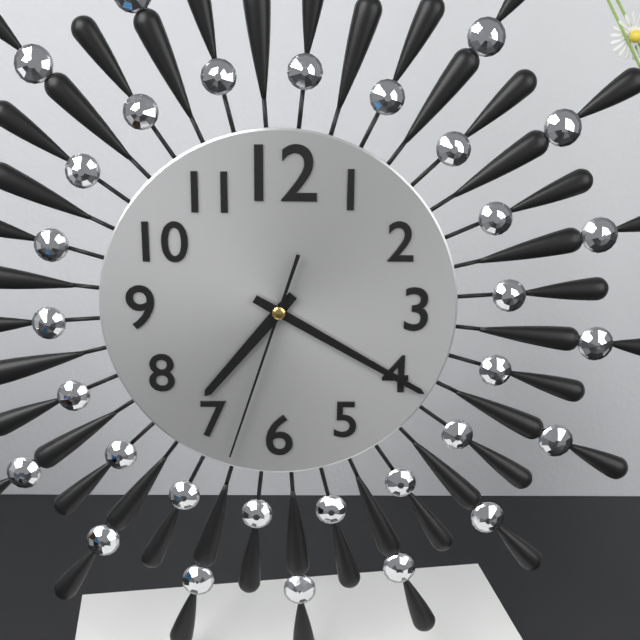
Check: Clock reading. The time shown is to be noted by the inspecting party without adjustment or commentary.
7:20:33
